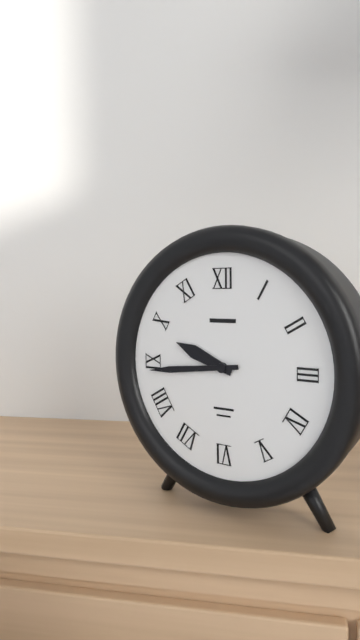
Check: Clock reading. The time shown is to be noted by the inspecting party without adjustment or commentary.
9:44
